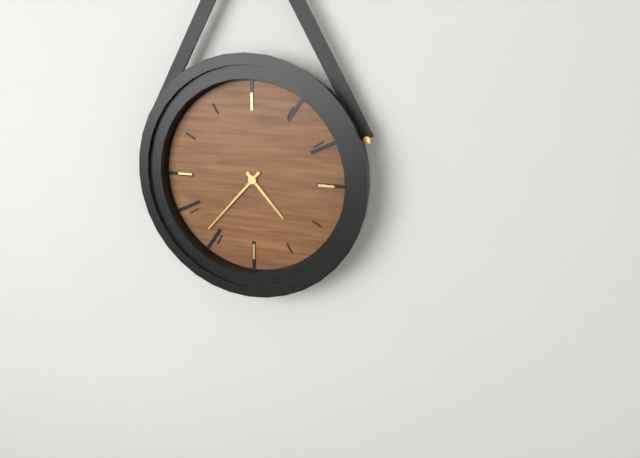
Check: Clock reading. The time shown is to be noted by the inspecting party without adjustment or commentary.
4:37
